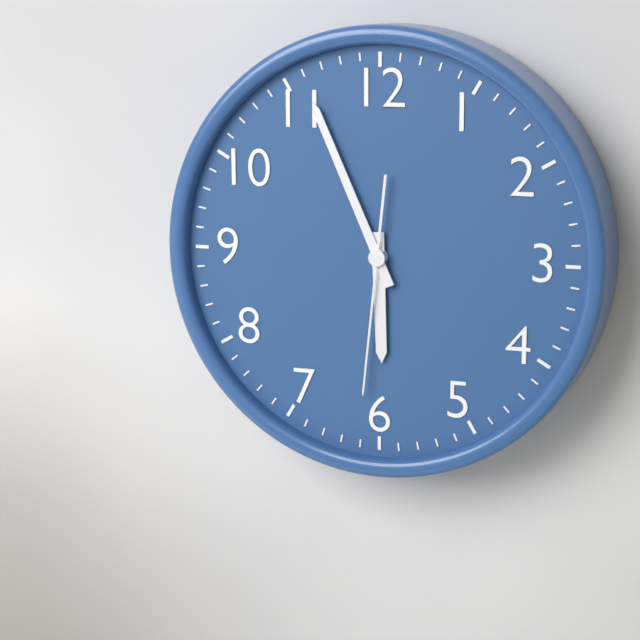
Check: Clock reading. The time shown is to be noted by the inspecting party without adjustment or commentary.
5:56:31
